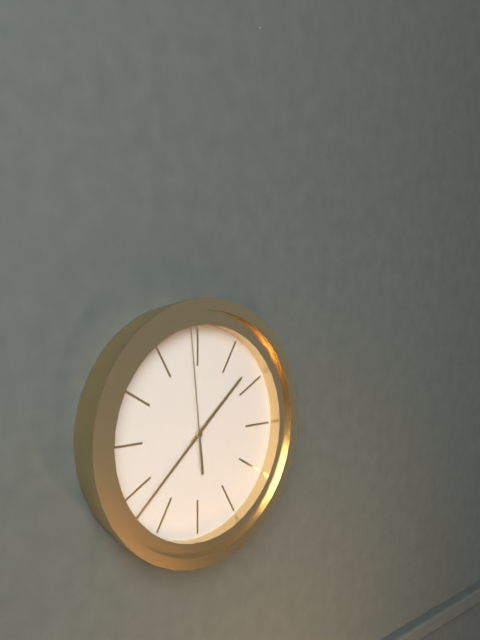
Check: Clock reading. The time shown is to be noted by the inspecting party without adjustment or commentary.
1:38:59
